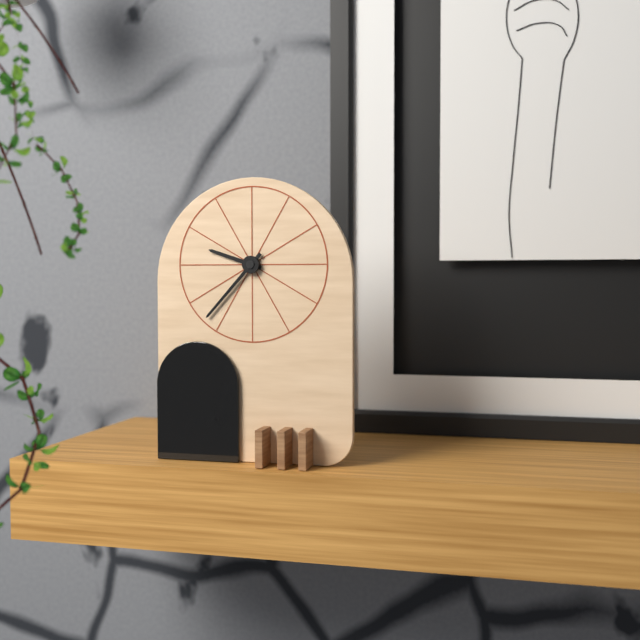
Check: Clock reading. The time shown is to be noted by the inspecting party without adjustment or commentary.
9:37
